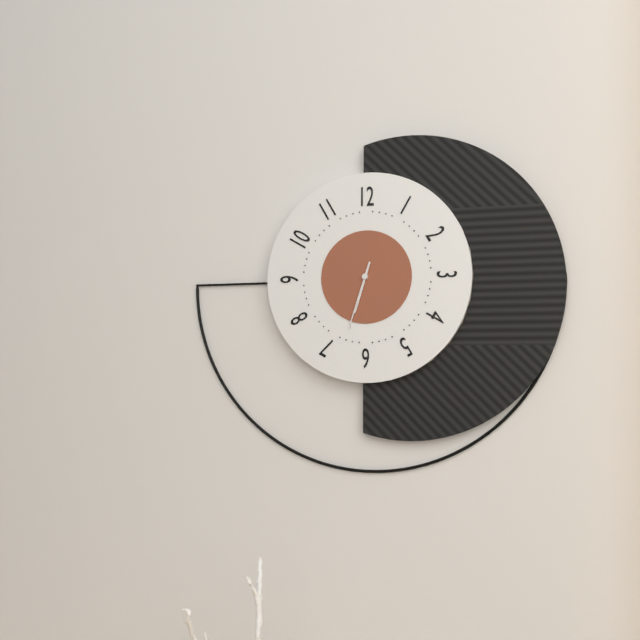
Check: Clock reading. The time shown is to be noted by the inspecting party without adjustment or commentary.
6:33
